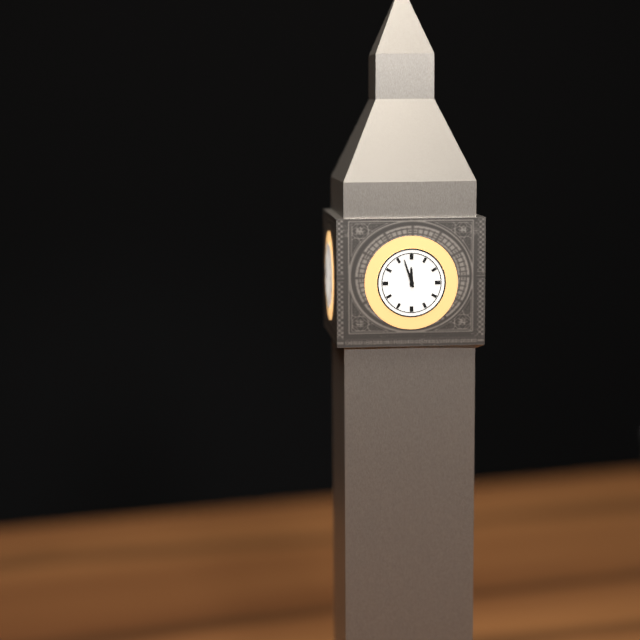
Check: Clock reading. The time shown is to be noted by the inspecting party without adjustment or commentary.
11:57
